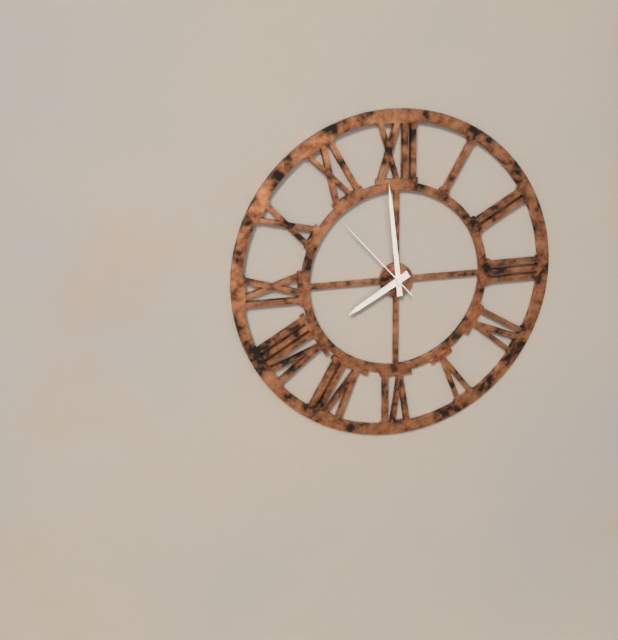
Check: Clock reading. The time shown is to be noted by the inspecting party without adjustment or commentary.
7:59:53
